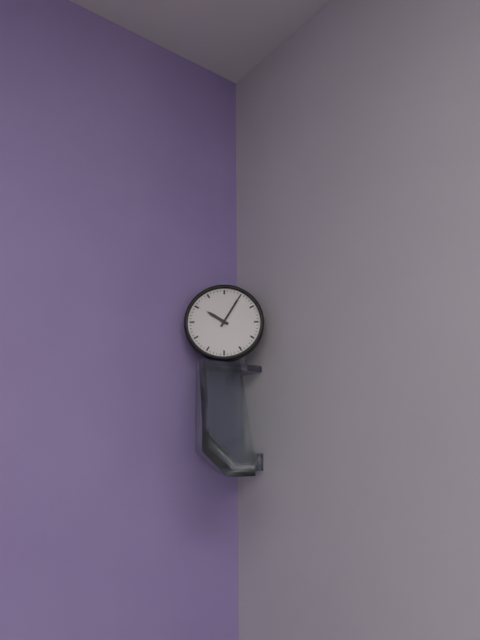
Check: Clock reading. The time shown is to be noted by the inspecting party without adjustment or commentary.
10:05
